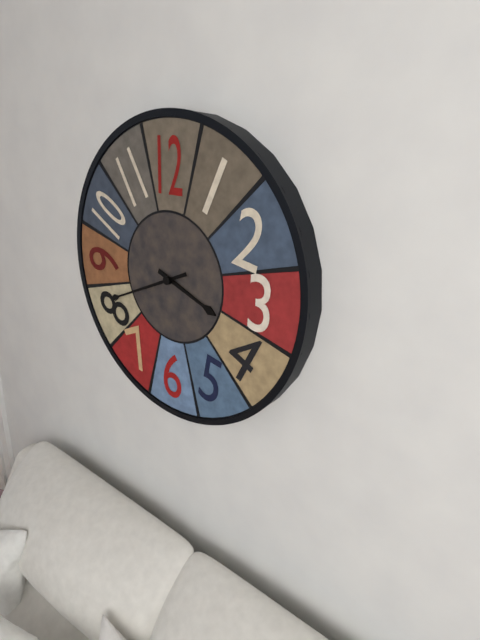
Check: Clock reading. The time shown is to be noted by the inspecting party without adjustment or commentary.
3:41
